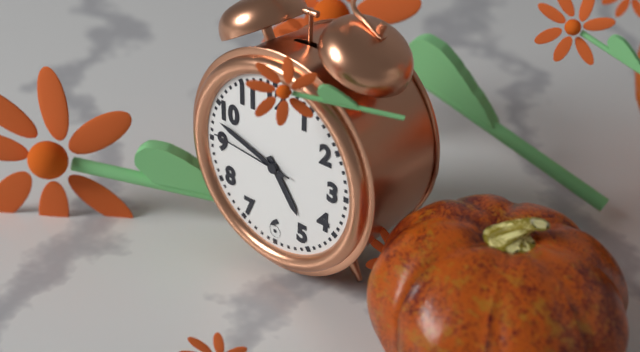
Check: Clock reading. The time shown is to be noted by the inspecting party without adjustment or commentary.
4:48:46
